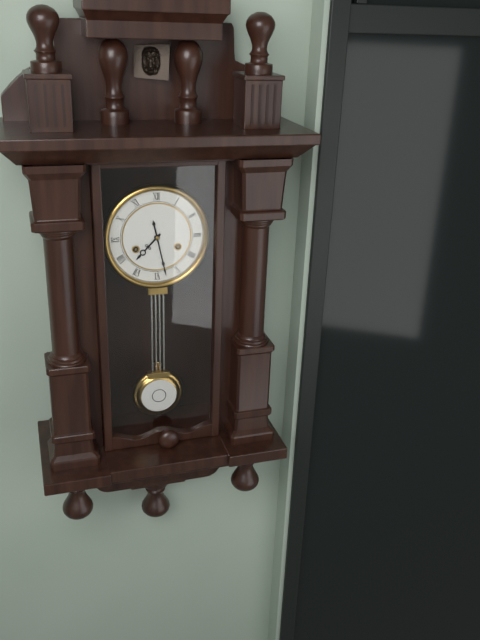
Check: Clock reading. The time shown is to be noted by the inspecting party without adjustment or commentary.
7:28
